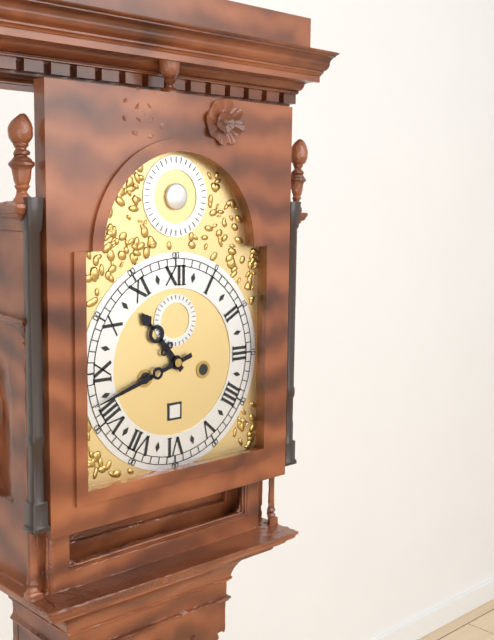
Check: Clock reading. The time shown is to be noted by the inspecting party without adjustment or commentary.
10:42
